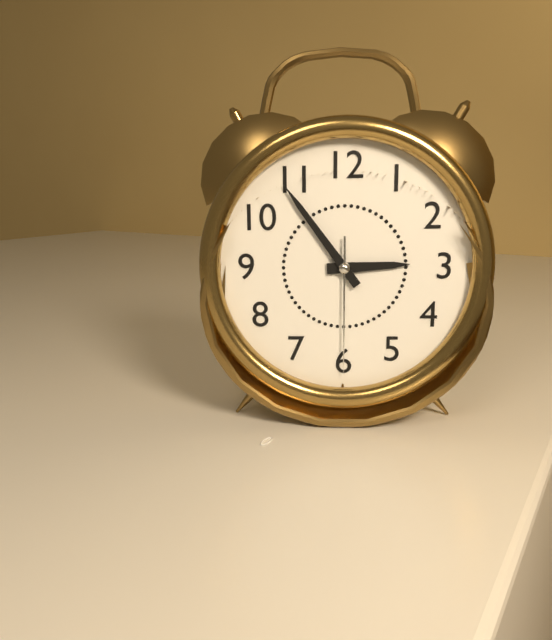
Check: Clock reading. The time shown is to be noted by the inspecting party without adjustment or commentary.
2:54:30
